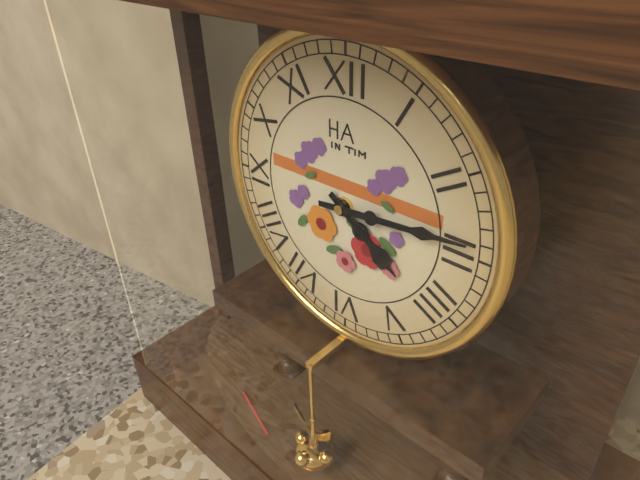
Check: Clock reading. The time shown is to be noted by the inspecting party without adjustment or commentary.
4:14
